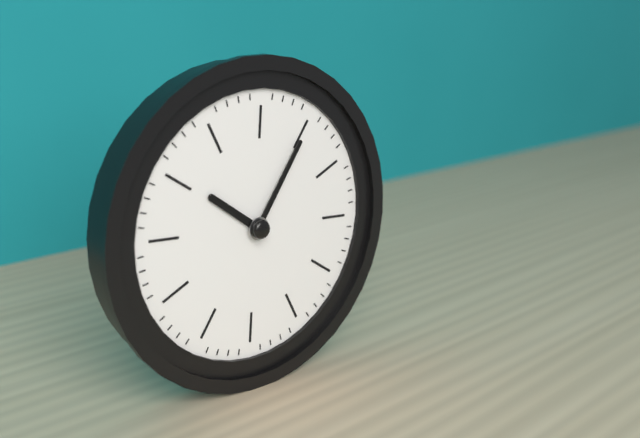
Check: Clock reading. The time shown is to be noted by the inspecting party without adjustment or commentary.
10:05
